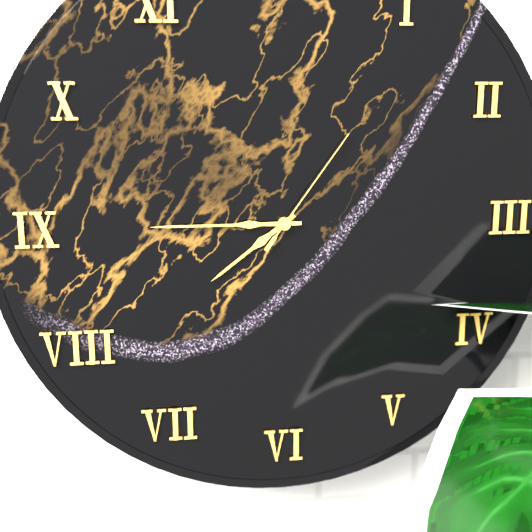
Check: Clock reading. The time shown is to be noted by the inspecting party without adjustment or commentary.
7:45:06
